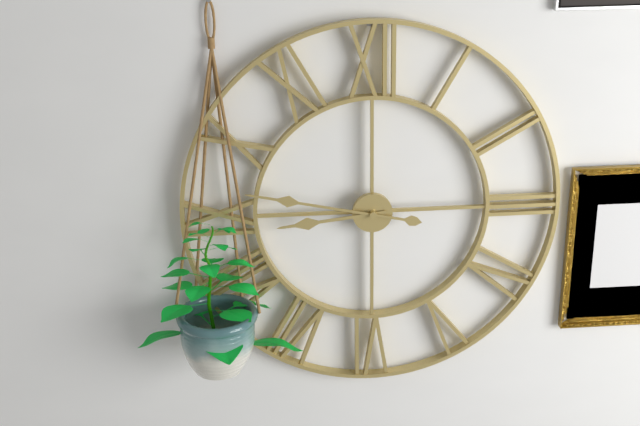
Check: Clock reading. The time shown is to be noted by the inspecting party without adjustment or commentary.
8:47
